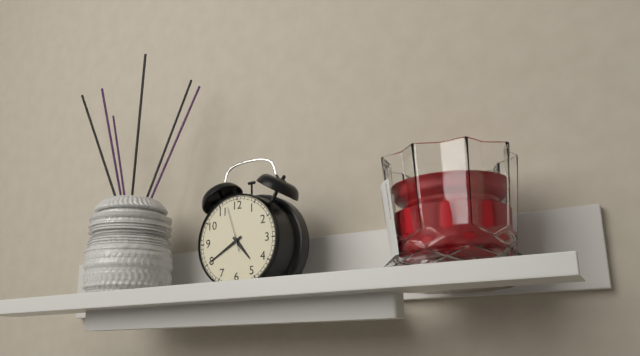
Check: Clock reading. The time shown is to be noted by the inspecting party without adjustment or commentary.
4:40
